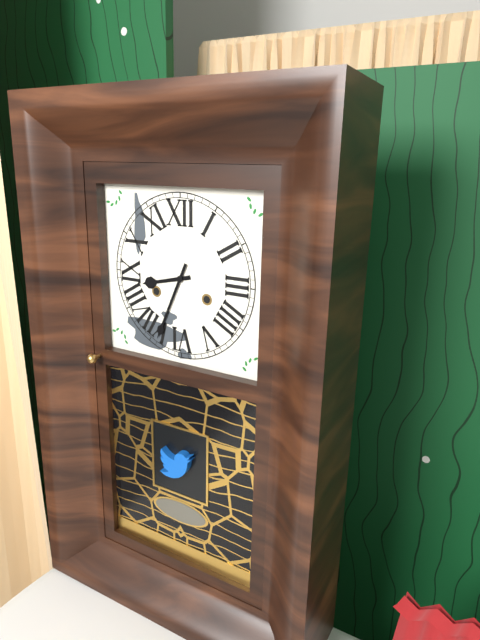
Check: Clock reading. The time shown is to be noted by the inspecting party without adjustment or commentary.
8:34
